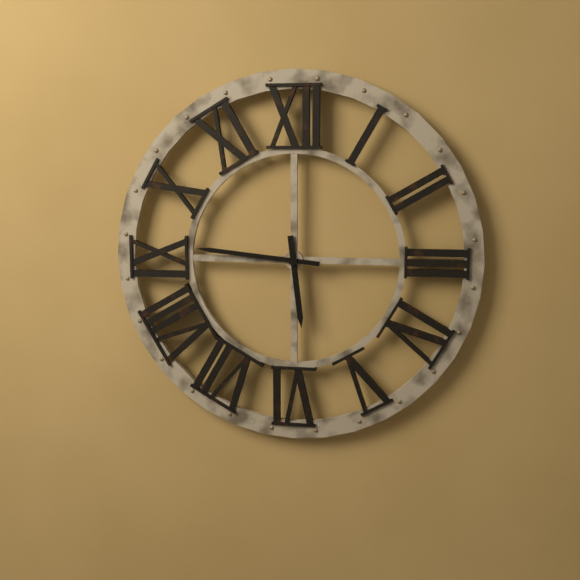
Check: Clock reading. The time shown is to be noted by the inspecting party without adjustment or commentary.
5:46
